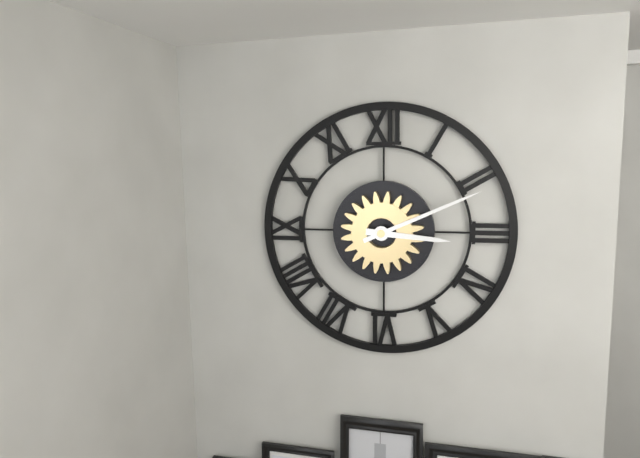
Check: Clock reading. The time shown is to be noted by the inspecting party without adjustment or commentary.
3:11
